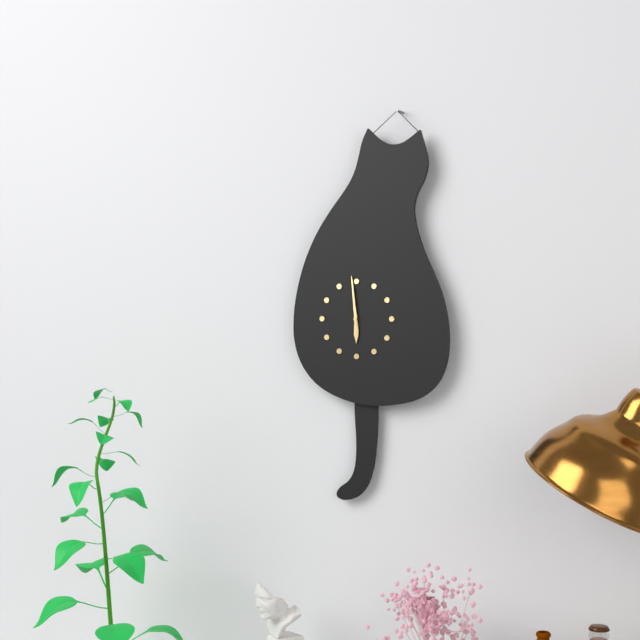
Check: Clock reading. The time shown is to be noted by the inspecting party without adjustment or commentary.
5:59
